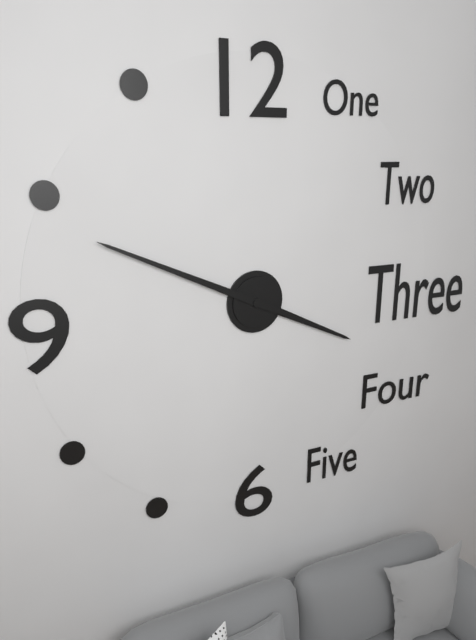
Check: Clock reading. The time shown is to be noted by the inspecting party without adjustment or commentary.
3:49
